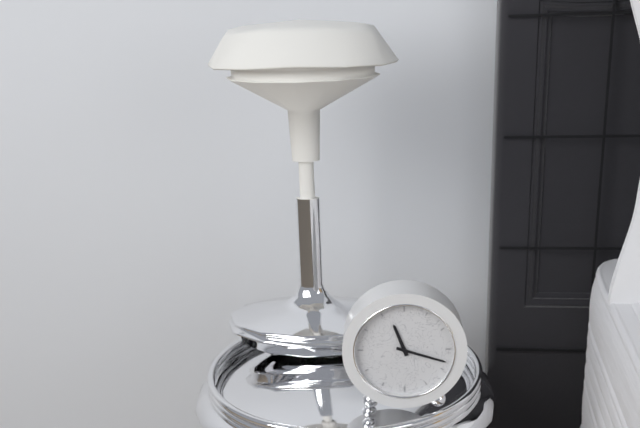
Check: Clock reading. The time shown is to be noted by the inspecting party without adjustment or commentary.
11:18
